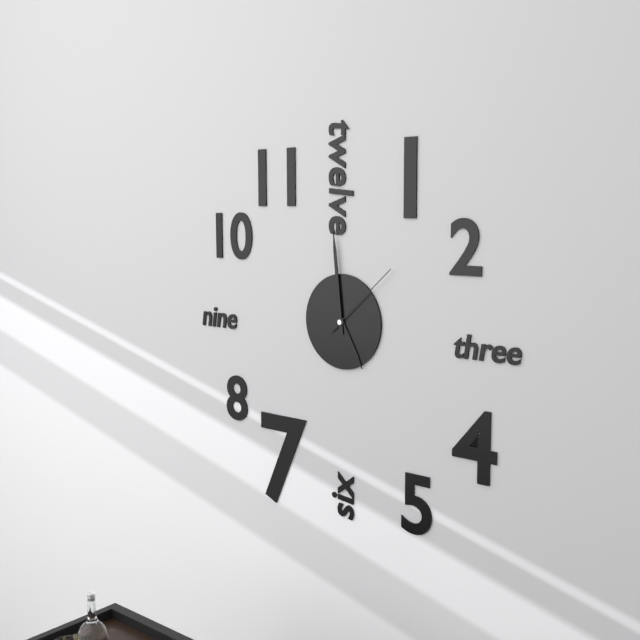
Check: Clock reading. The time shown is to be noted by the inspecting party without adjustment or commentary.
4:59:08
